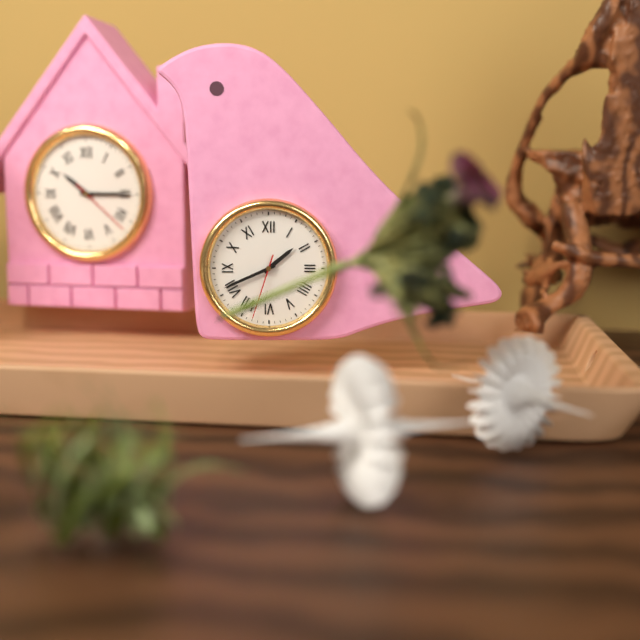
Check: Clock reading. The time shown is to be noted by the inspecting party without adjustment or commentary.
1:41:33
